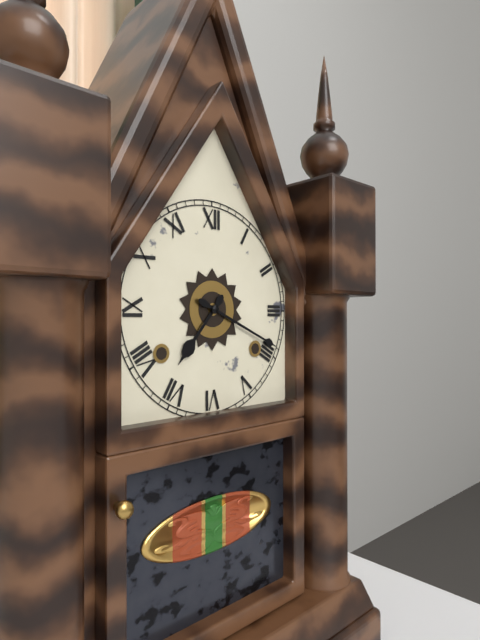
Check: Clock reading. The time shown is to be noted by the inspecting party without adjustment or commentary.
7:19
